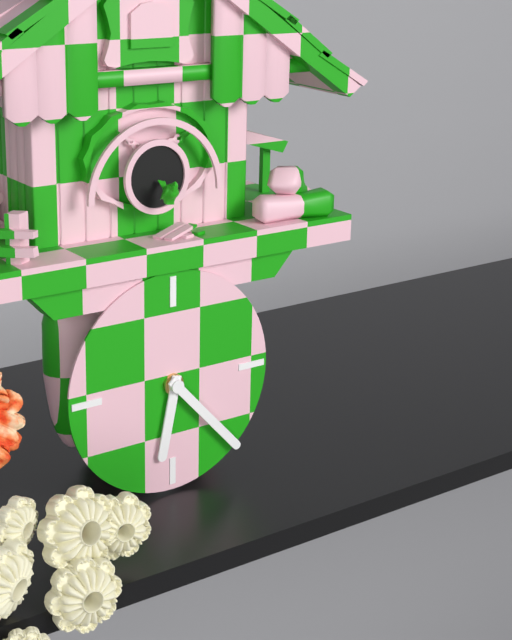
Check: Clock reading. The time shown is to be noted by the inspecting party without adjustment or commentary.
6:23
